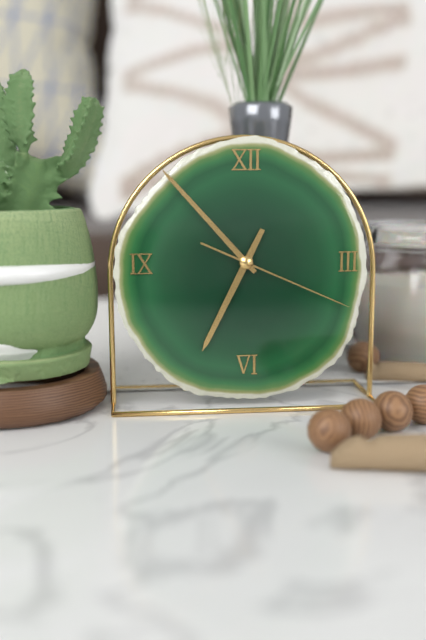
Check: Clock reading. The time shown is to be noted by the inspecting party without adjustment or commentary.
6:53:19
